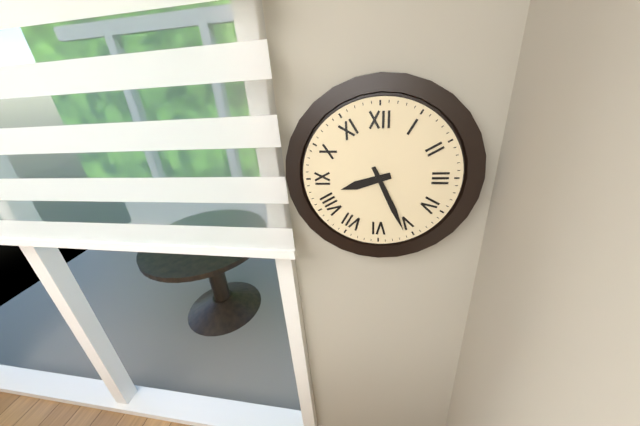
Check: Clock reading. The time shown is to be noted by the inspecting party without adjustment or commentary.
8:26
